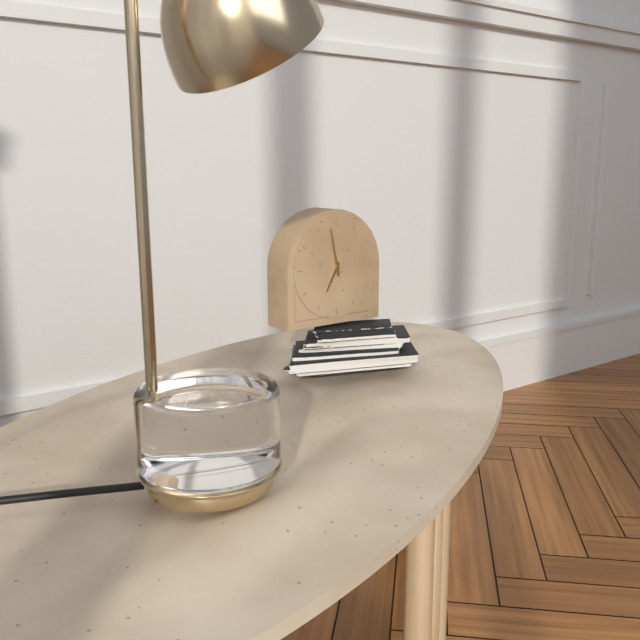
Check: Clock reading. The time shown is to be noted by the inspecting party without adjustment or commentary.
6:58
